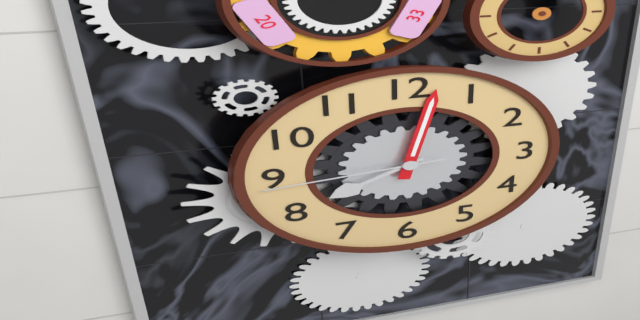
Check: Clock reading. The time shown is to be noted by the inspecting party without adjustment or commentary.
8:02:44
